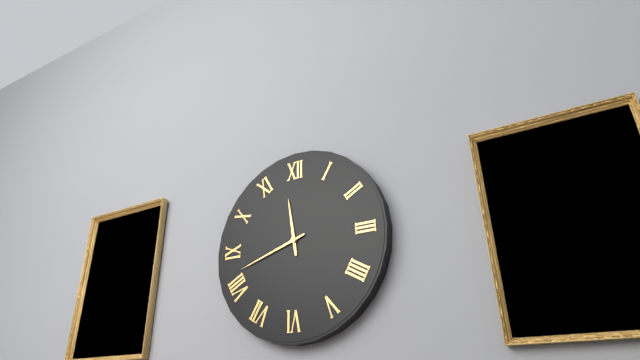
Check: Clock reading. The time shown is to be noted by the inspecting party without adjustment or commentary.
11:42
